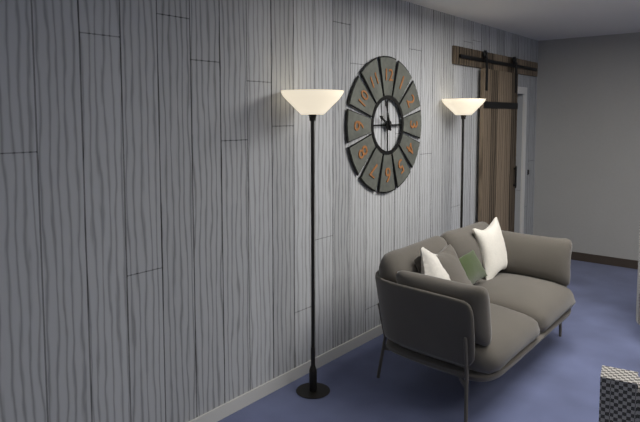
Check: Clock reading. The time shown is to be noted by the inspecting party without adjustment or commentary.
9:57
